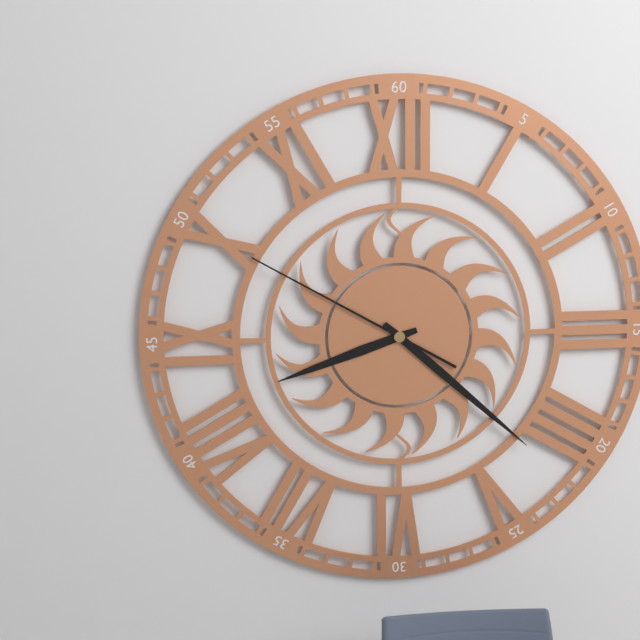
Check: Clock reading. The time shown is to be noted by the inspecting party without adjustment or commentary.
8:22:50
